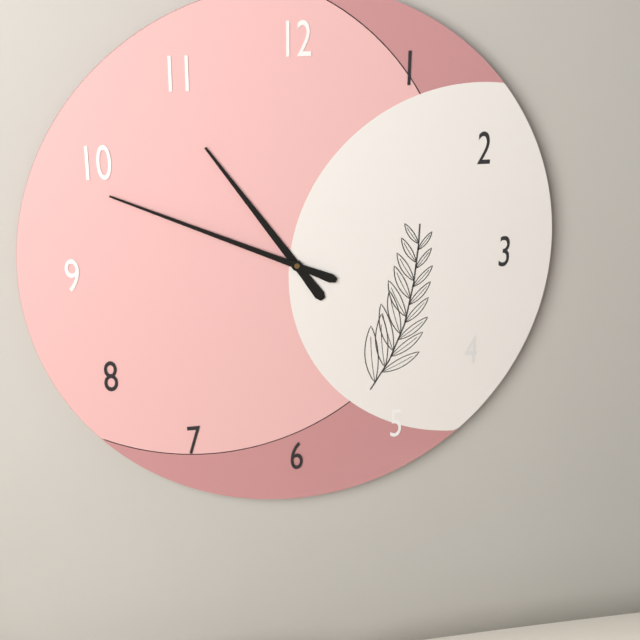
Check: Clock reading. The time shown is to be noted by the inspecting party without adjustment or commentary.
10:49
